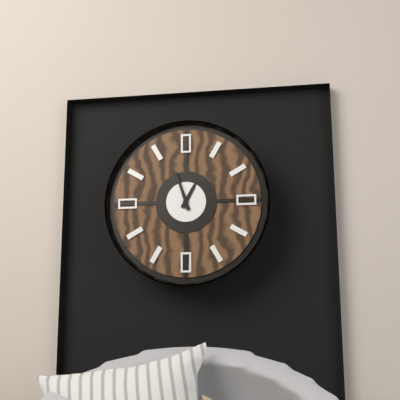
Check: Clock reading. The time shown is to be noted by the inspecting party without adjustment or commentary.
12:57
